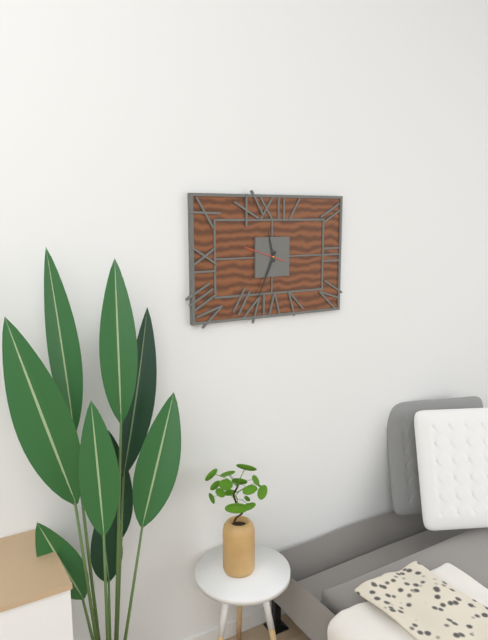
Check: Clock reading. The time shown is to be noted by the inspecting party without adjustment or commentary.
11:34
